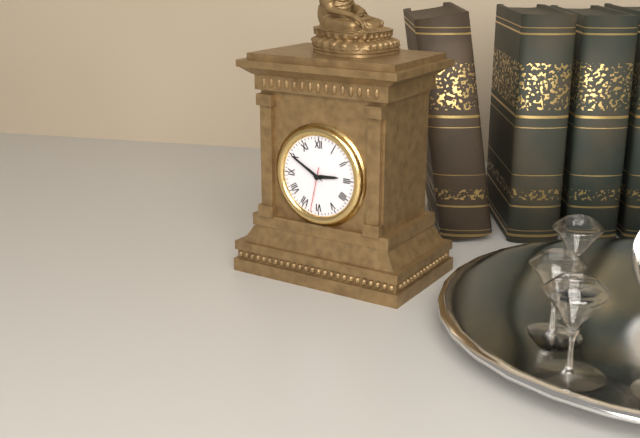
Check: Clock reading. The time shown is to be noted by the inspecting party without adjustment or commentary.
2:50
